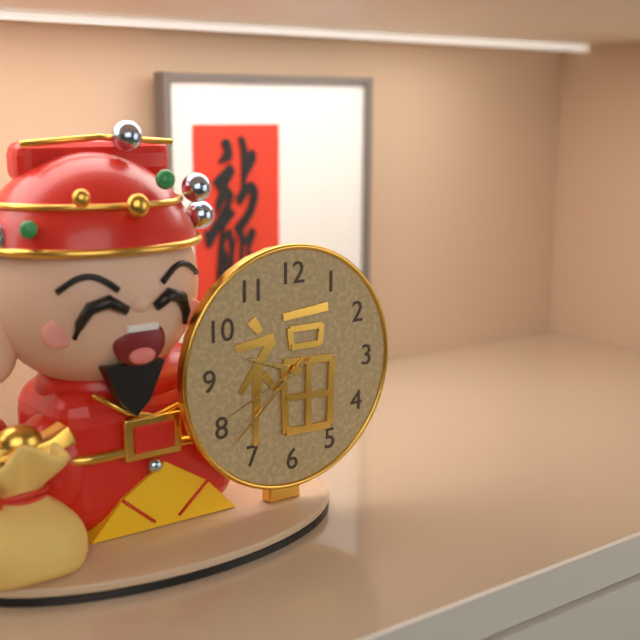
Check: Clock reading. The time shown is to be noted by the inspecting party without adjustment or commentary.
9:38:41
